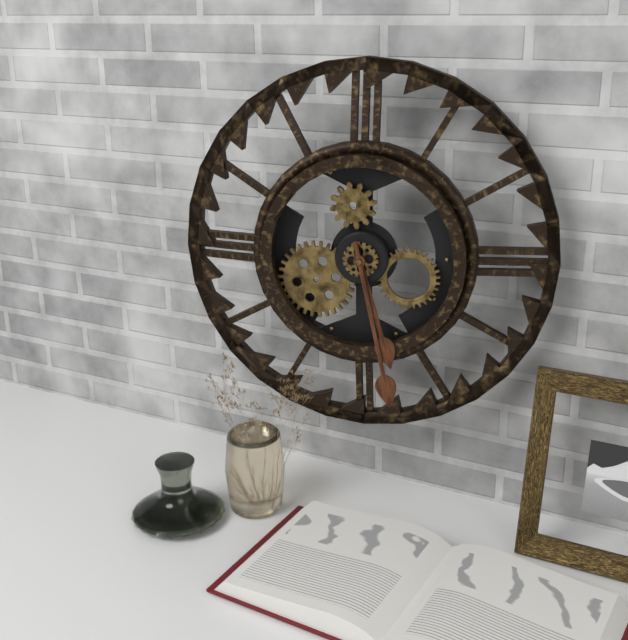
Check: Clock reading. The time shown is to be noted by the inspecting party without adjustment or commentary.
5:28
